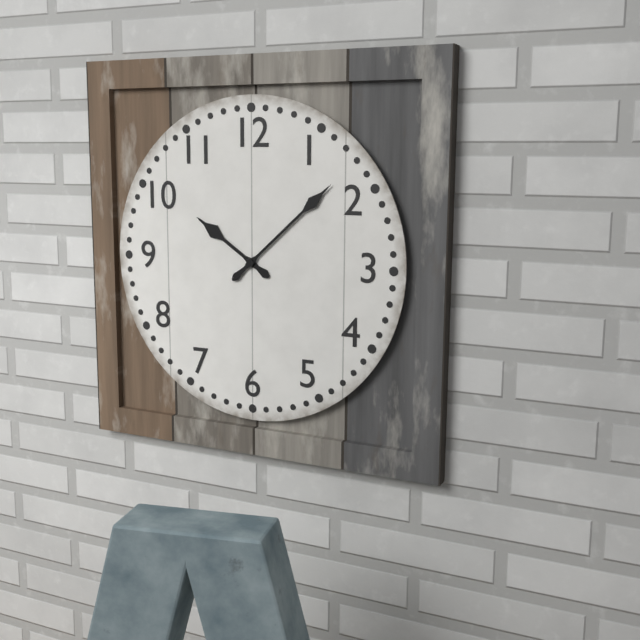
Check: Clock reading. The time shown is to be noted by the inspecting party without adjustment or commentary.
10:08
